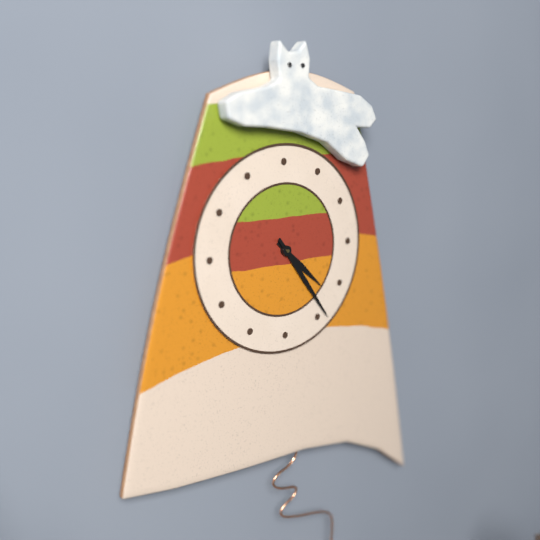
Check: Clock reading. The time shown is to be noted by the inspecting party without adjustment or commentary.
4:24
